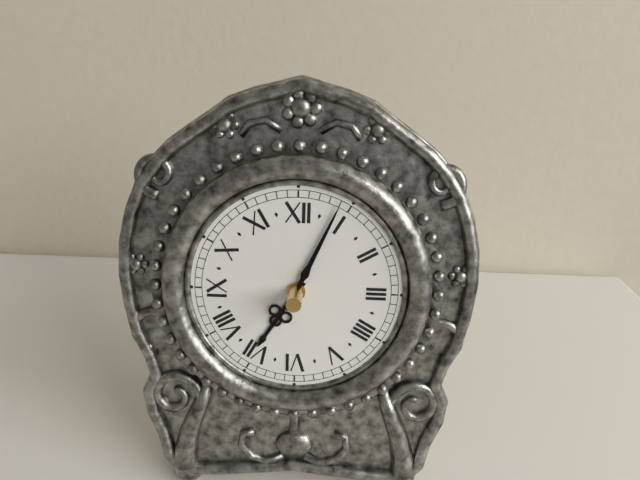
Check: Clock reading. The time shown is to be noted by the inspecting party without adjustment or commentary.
7:04
